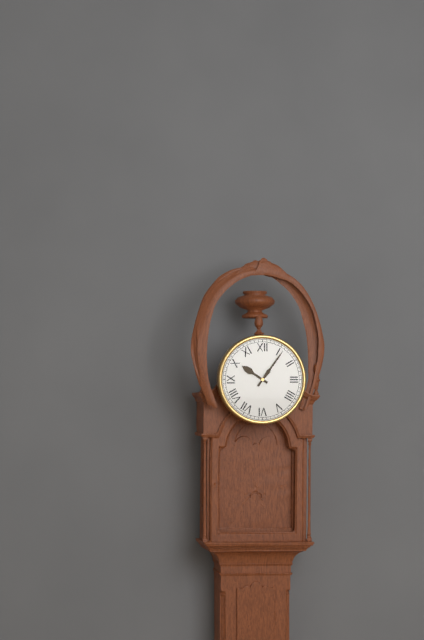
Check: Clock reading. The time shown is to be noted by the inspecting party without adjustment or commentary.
10:06
